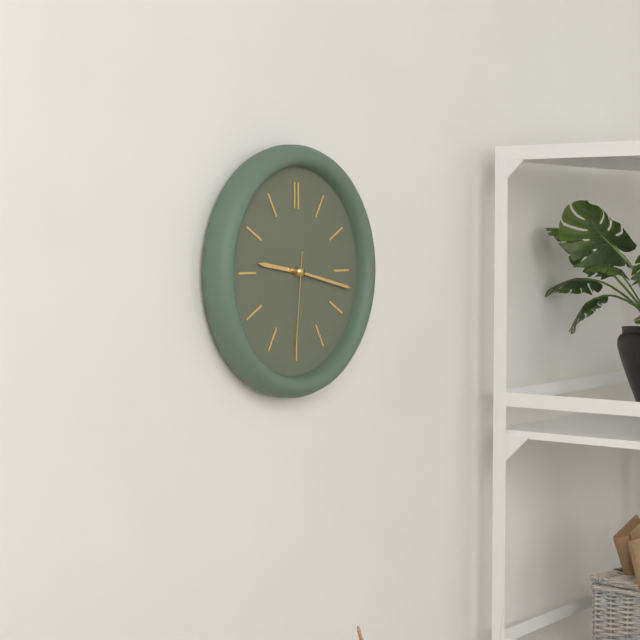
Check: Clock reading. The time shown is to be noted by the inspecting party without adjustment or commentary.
9:17:31
